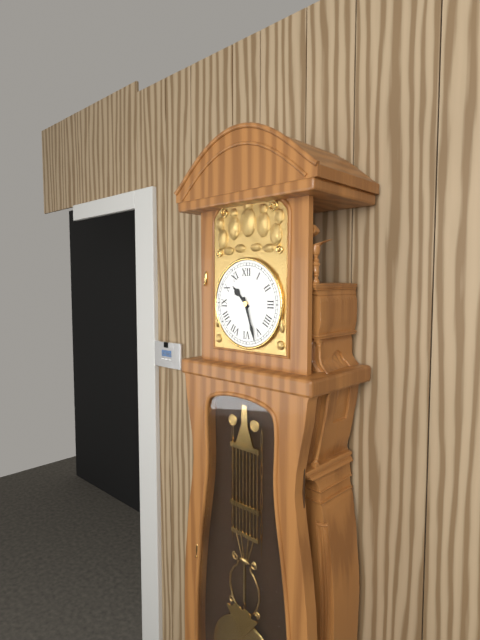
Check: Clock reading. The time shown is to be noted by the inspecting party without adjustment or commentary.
10:27
